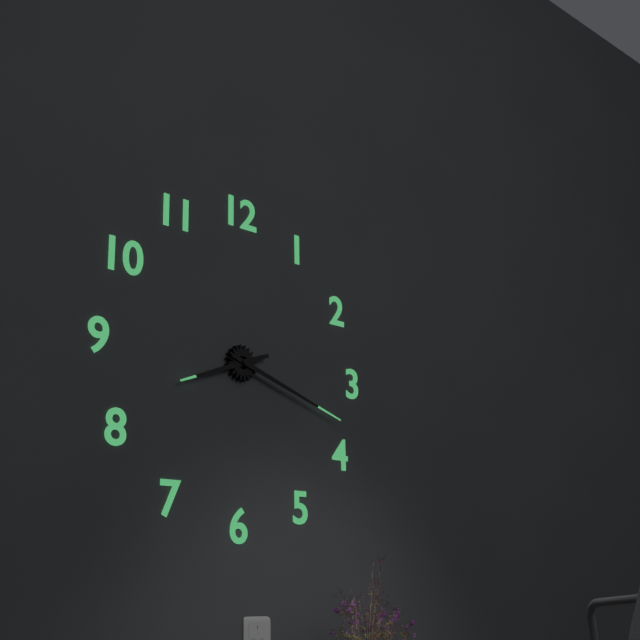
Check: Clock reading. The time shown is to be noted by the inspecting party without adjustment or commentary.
8:18
